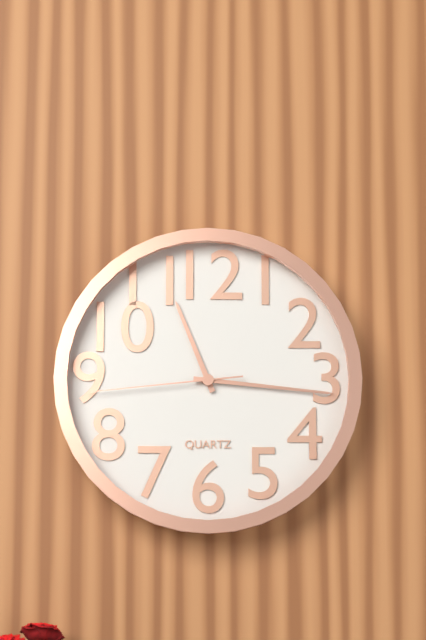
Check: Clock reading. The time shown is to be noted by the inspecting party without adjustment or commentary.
11:16:44
